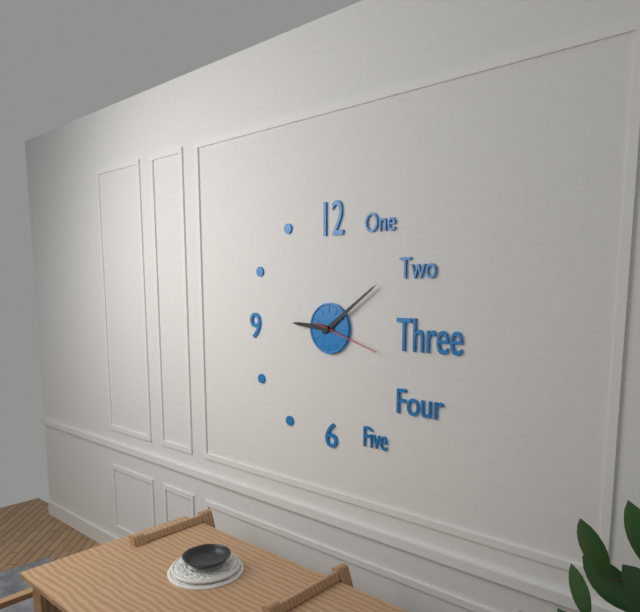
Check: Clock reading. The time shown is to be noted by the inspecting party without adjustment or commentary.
9:09:18
